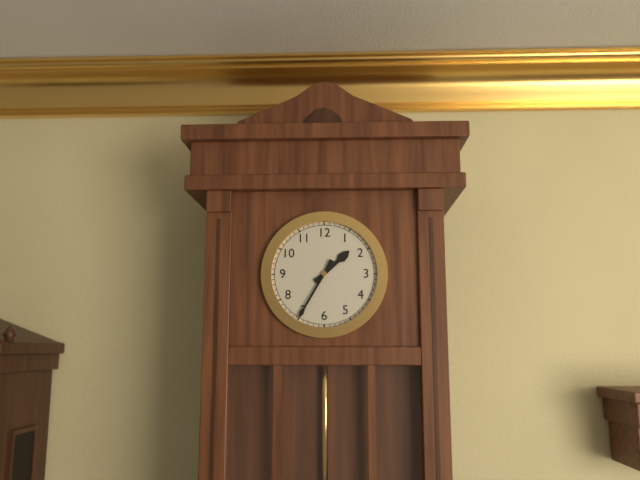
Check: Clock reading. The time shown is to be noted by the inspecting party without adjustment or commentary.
1:35
